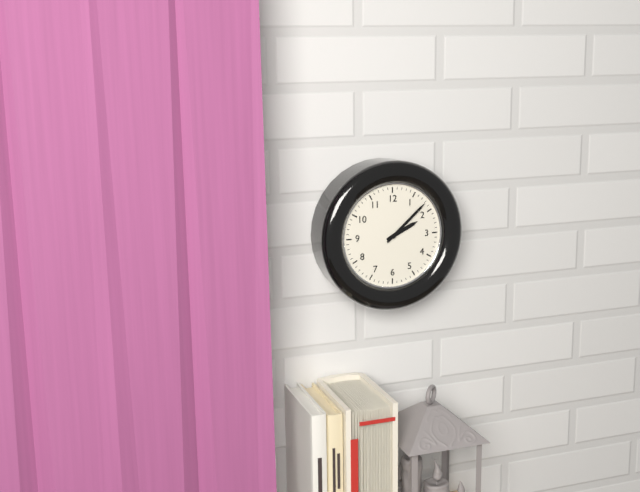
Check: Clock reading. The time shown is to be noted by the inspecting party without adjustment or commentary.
2:08
